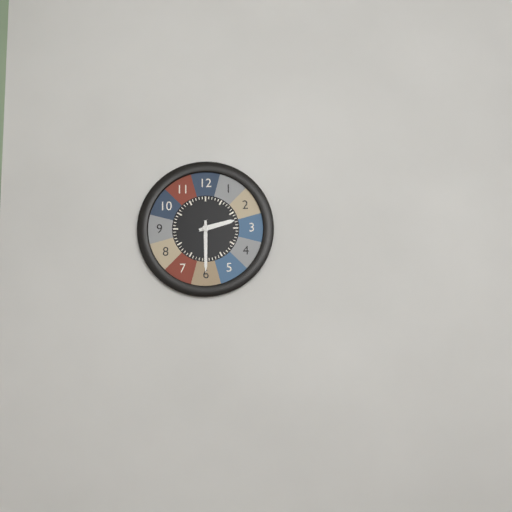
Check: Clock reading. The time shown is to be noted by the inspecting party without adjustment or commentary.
2:30
